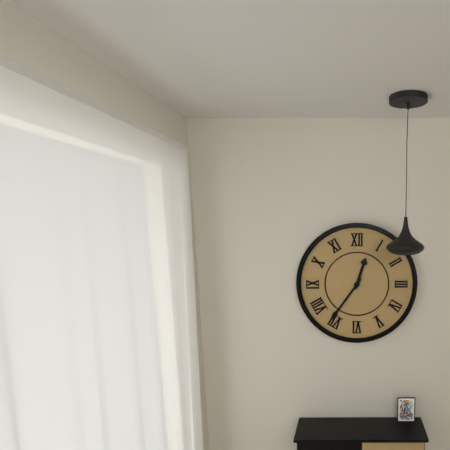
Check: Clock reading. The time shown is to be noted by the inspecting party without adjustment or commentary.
12:36
